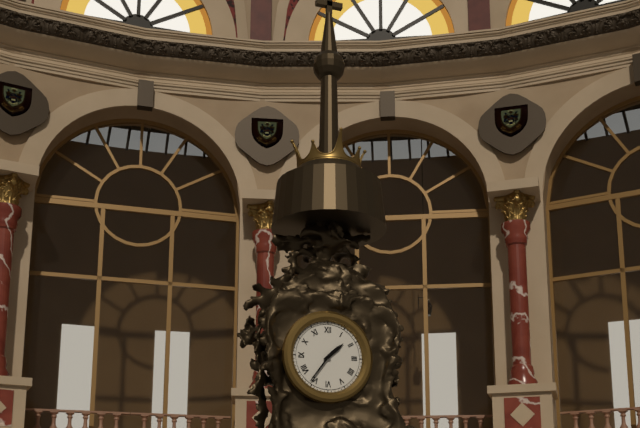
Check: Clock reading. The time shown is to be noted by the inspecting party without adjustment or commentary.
1:36
